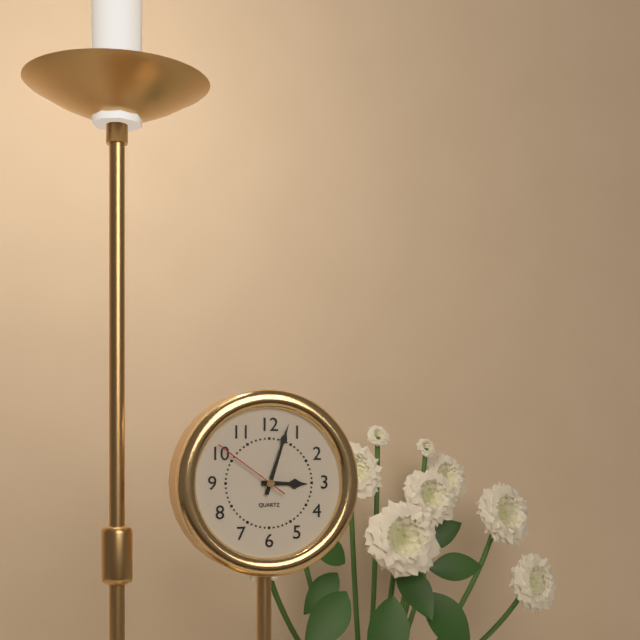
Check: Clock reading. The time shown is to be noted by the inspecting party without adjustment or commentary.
3:03:51
